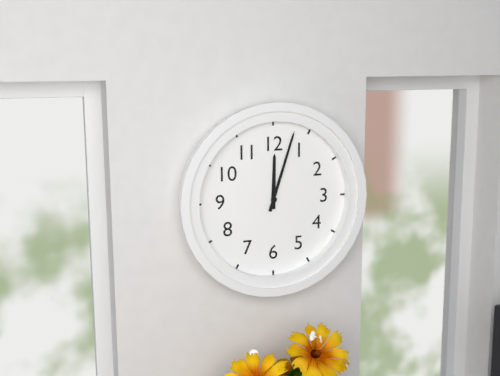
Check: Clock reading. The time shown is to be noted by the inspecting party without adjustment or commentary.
12:03
